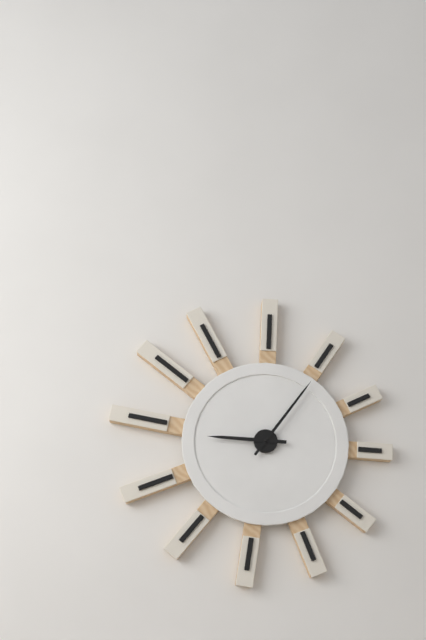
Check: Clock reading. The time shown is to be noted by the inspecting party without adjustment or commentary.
9:06
